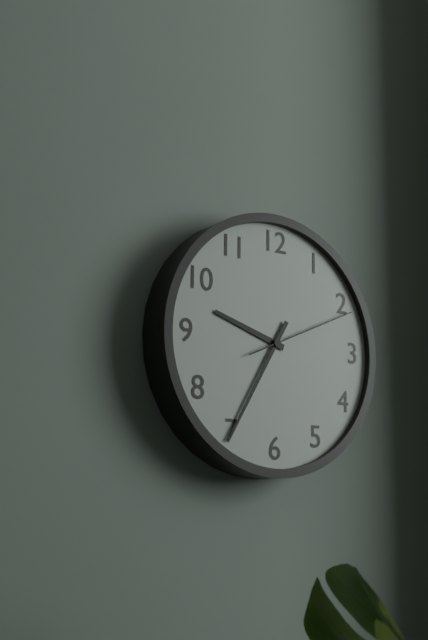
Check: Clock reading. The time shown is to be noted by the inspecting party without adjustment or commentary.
9:35:11
